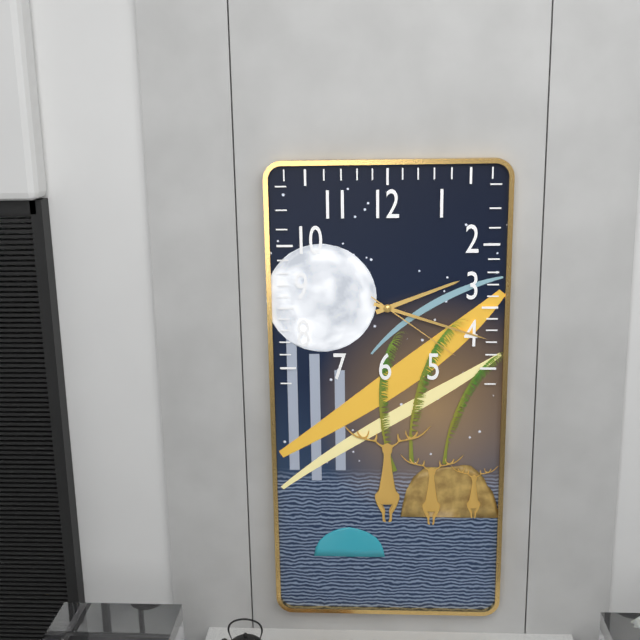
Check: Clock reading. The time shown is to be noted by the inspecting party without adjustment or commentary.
2:18:21
